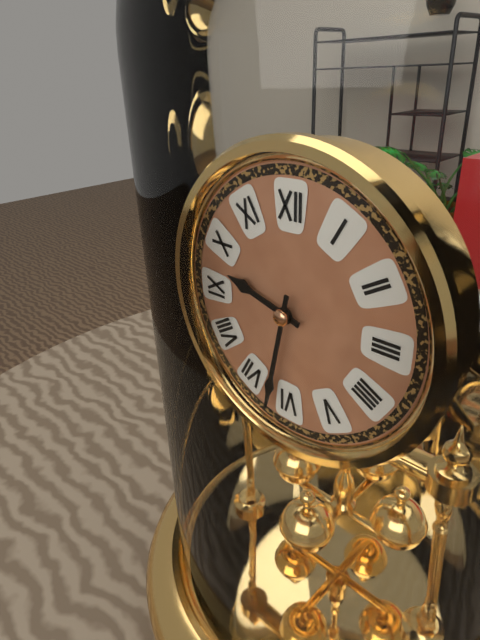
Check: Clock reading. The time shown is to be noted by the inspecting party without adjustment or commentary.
9:32
